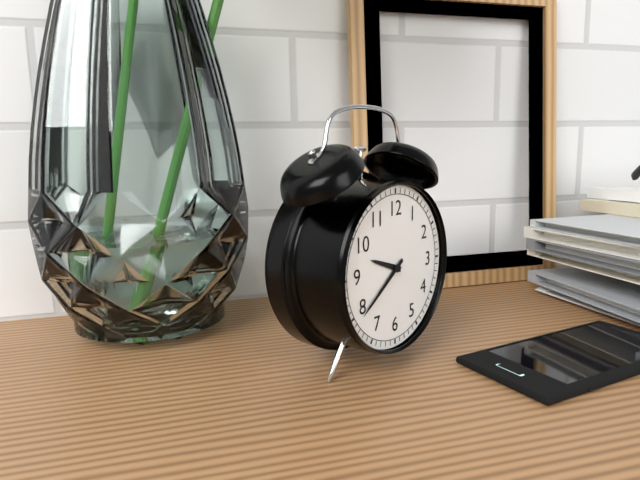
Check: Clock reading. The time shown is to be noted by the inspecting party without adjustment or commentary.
9:39
